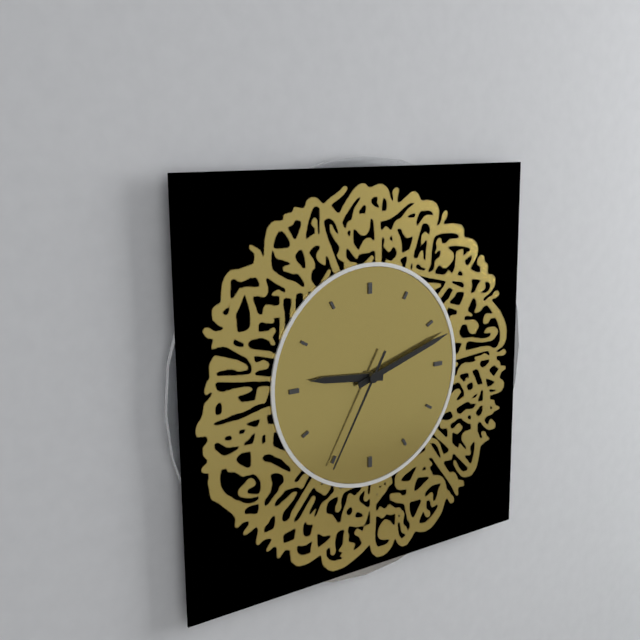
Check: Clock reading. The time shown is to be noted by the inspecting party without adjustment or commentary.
9:12:35
